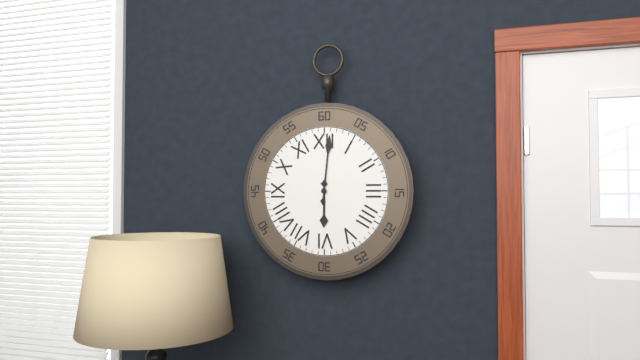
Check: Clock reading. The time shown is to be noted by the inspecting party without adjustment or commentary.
6:01
